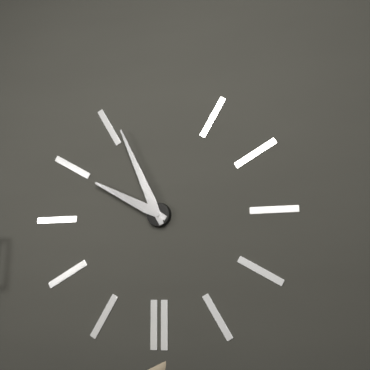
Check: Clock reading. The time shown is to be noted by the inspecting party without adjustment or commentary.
9:56
